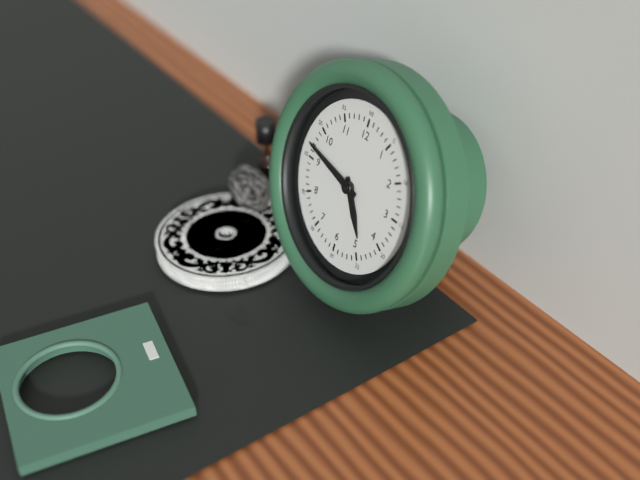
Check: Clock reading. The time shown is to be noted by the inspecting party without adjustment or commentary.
4:47
